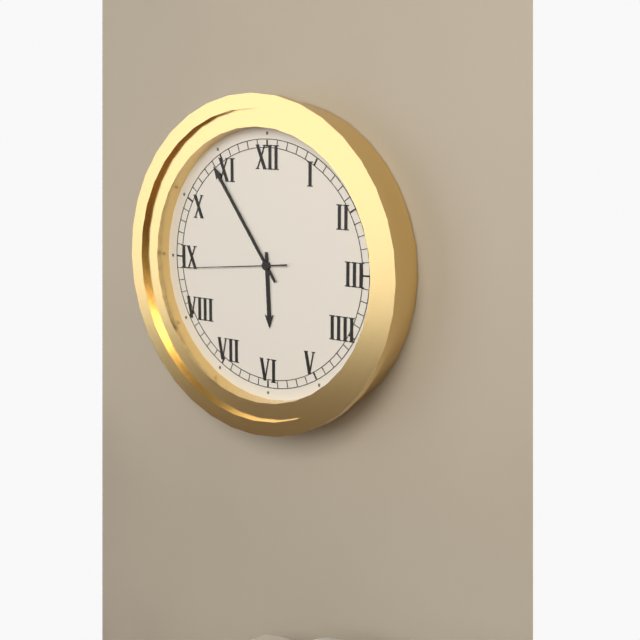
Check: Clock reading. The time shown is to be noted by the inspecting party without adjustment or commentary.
5:54:44
